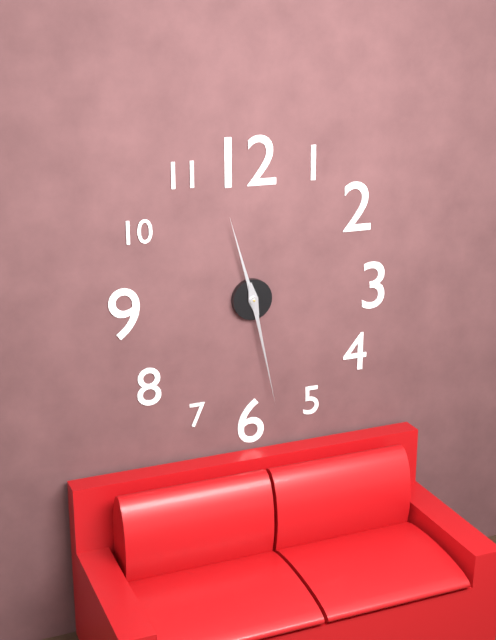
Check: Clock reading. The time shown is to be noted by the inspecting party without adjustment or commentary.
11:28
